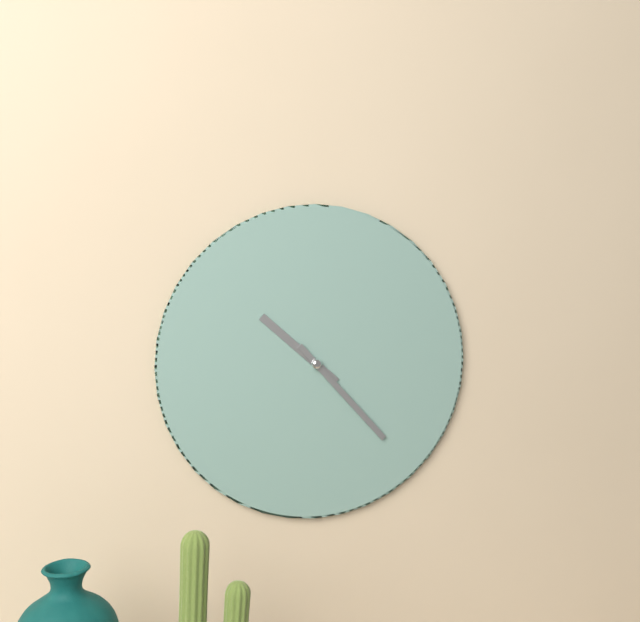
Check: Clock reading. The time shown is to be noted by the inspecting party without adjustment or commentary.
10:23
